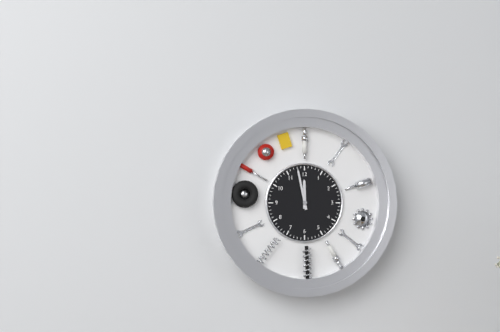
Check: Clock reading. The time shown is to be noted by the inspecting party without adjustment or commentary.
11:58
